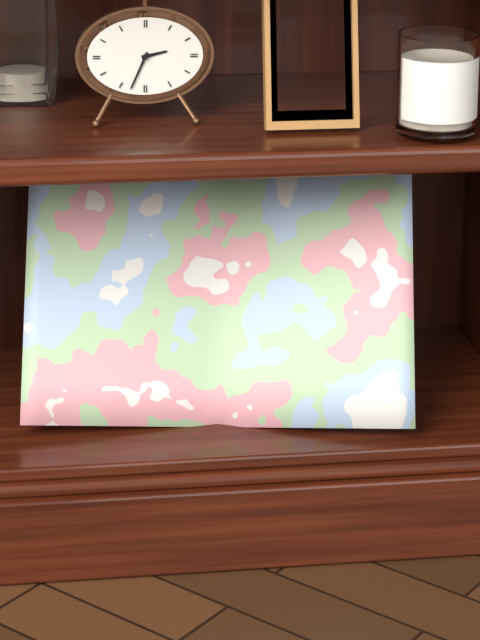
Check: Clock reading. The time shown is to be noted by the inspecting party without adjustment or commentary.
2:34
